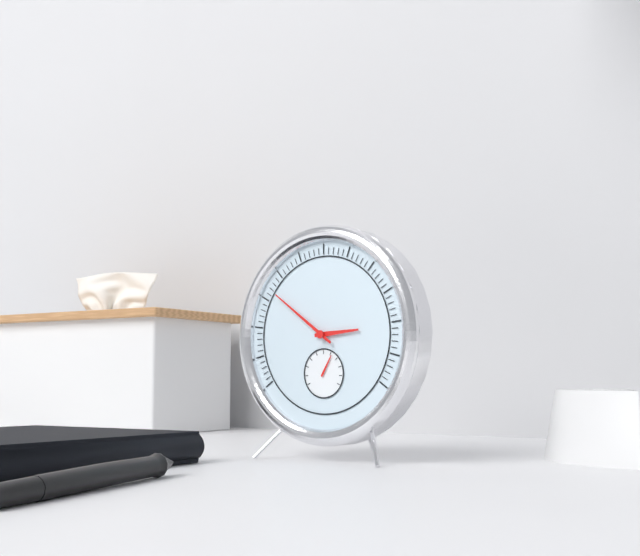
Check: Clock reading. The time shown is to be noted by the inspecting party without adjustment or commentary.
2:51
